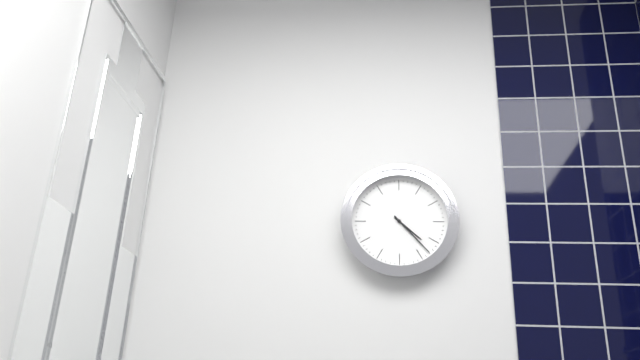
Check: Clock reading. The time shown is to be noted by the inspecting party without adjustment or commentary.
4:23
